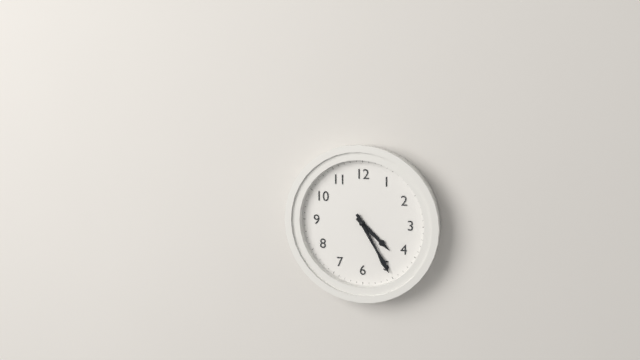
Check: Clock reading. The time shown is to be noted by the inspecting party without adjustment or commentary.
4:25
